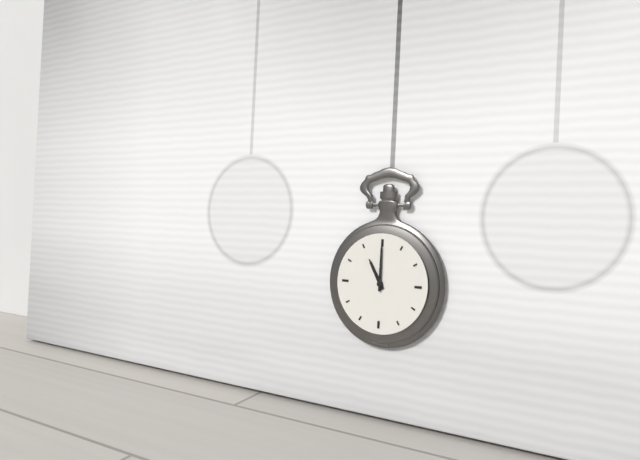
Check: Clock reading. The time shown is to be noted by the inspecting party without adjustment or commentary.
11:00
